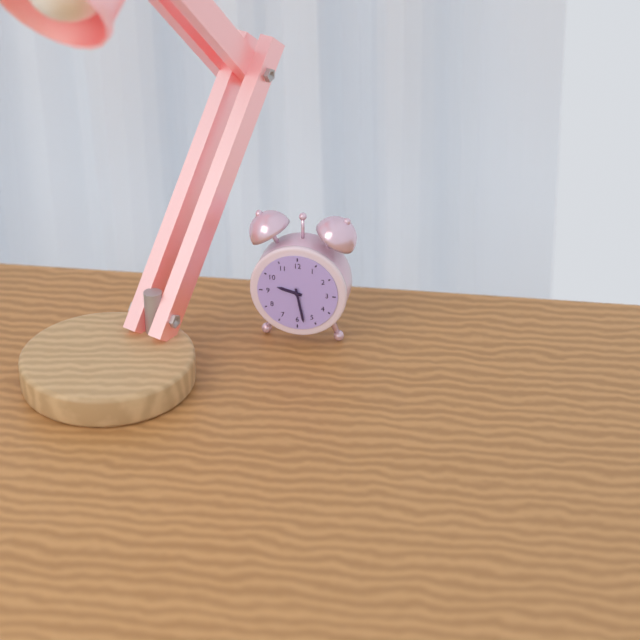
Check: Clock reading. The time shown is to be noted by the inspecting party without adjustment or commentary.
9:28
